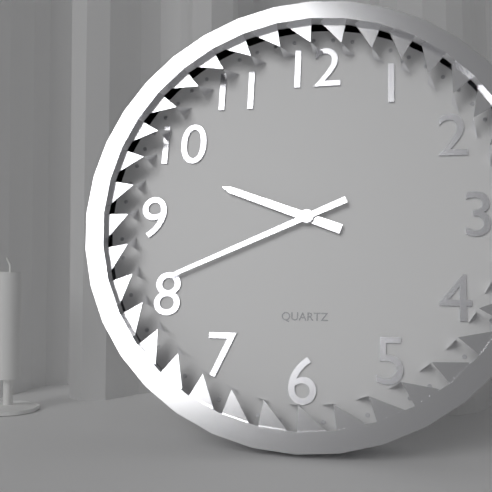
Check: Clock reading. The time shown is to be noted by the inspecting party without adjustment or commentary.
9:41
